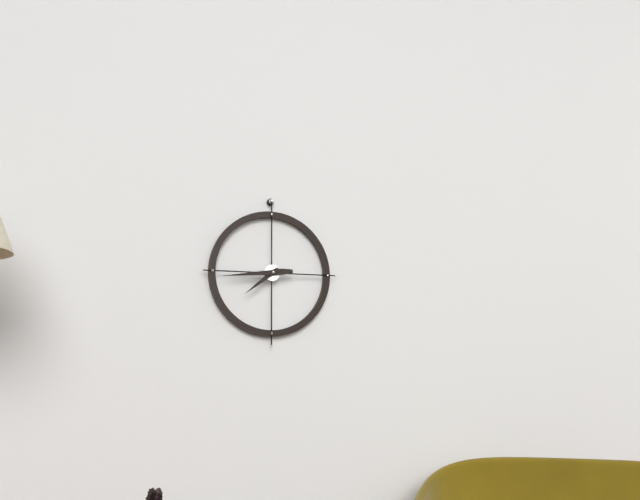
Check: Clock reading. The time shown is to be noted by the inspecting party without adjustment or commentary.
7:44
